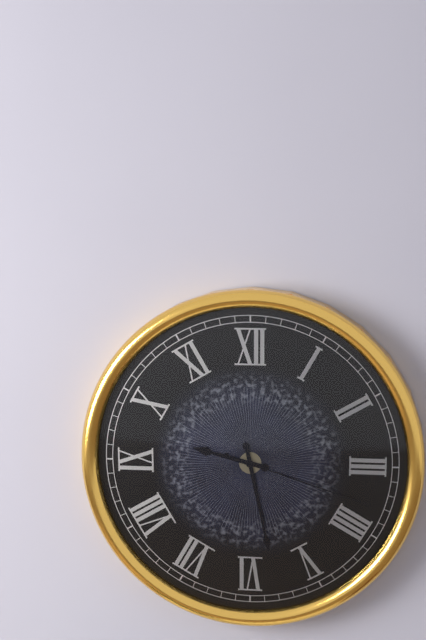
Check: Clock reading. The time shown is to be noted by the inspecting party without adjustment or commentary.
9:28:18
